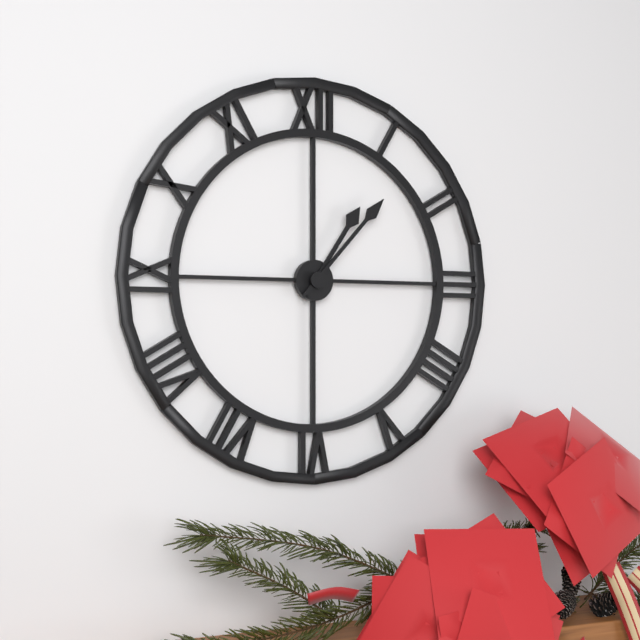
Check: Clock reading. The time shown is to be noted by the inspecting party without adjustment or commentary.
1:07
